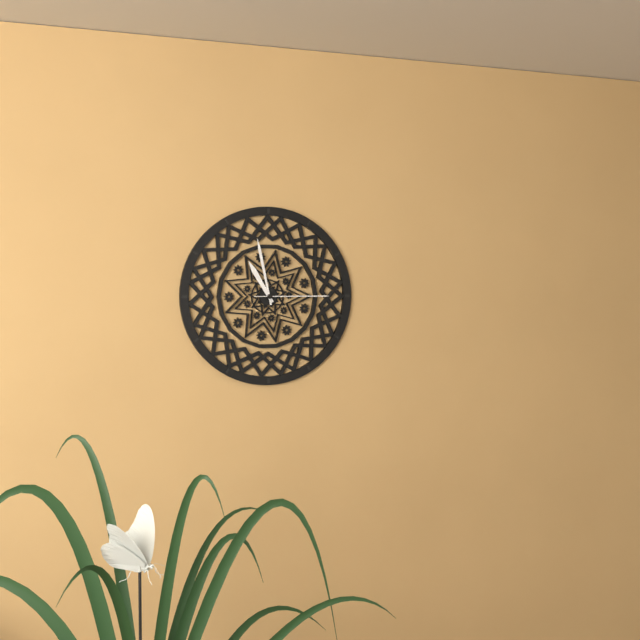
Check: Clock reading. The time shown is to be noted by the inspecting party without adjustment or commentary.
10:58:15
